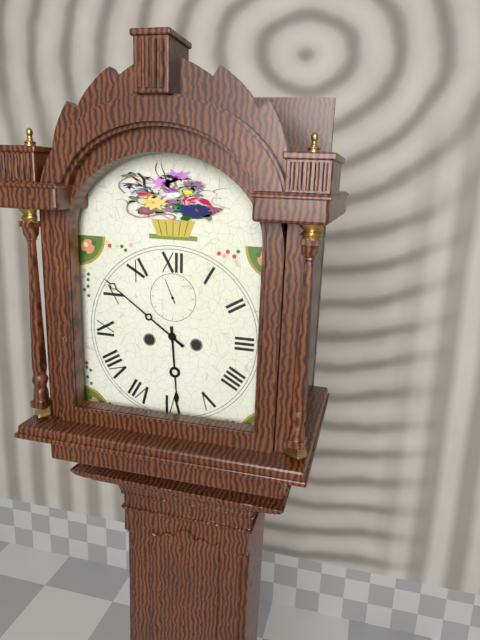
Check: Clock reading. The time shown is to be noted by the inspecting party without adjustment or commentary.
5:51
